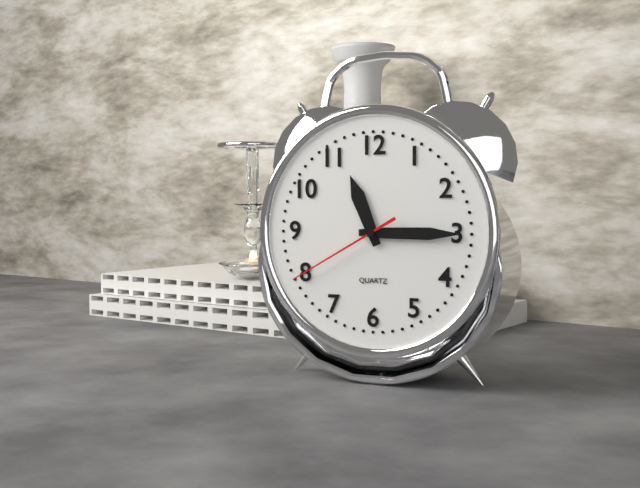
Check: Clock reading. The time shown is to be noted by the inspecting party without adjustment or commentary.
11:15:40
